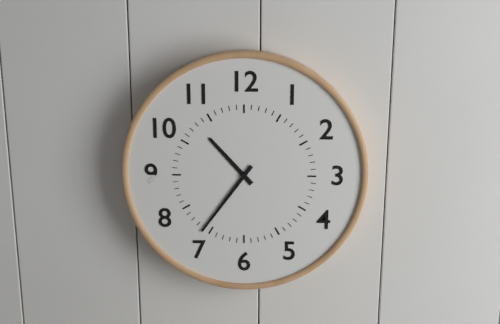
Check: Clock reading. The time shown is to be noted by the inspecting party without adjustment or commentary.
10:36
